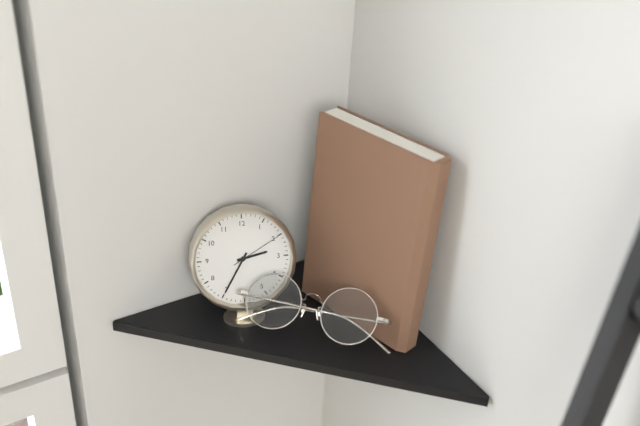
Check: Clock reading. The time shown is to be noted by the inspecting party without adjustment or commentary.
2:35:10
